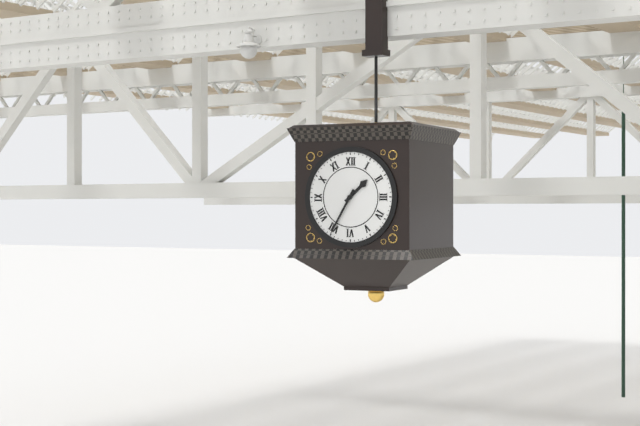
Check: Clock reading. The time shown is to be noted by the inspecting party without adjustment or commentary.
1:35
